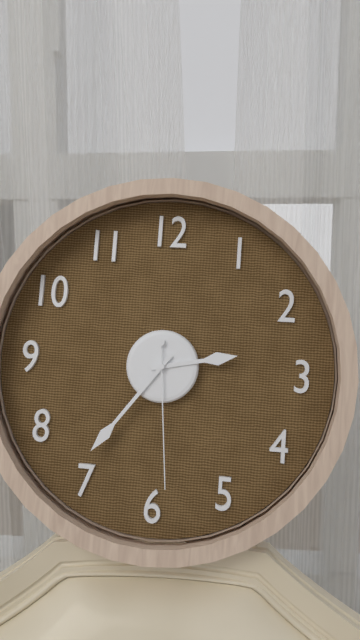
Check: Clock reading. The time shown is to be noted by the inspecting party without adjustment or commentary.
2:36:29
